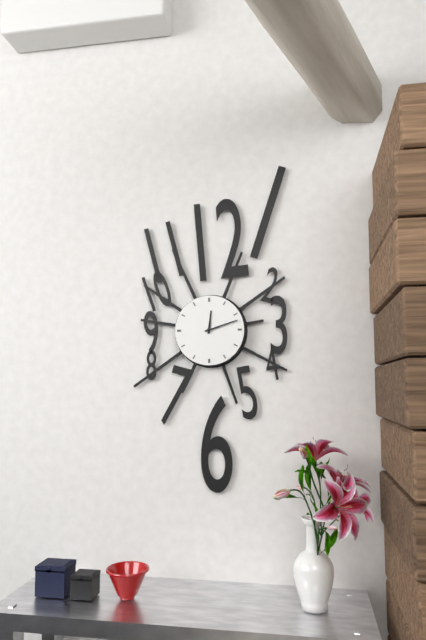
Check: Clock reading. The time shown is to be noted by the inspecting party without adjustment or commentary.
12:12
